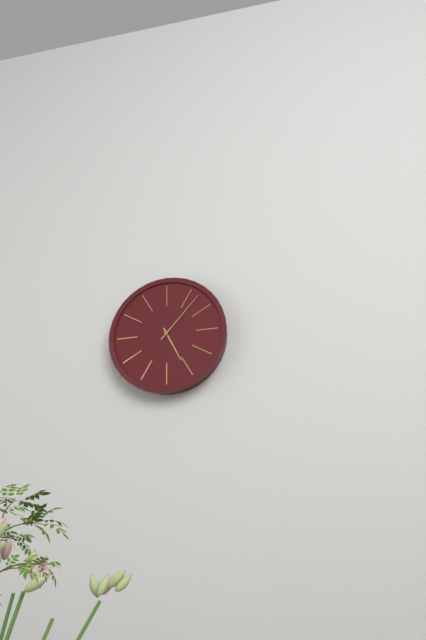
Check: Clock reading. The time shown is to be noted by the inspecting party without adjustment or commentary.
5:07
